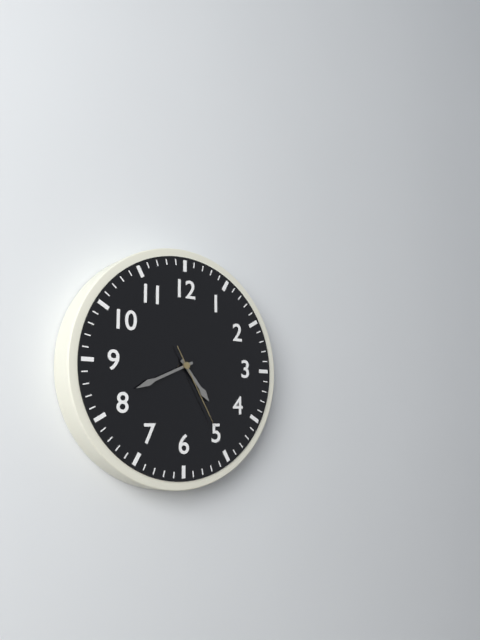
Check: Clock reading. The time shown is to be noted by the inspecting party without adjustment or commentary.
4:41:25
